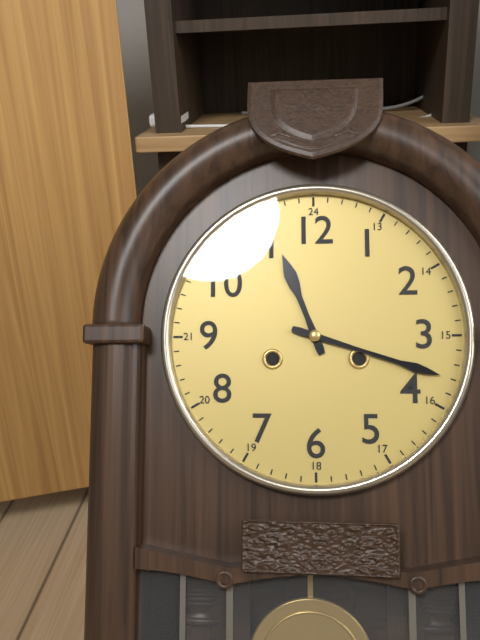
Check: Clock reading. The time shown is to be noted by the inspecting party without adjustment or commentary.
11:18
